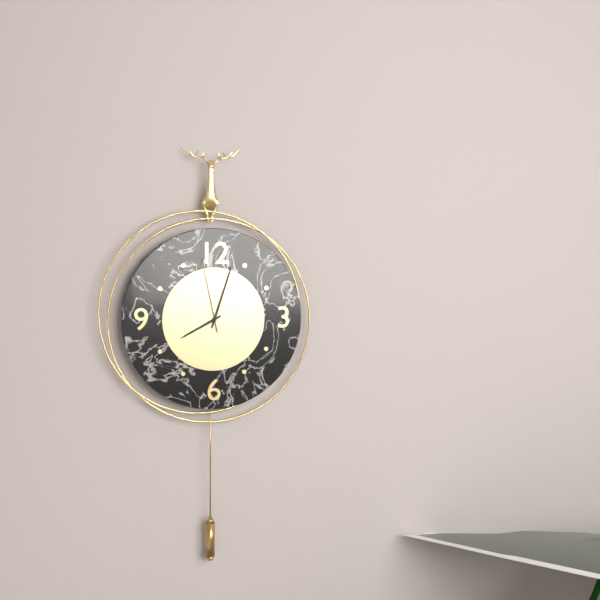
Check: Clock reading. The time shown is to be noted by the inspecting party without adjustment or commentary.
8:03:58
